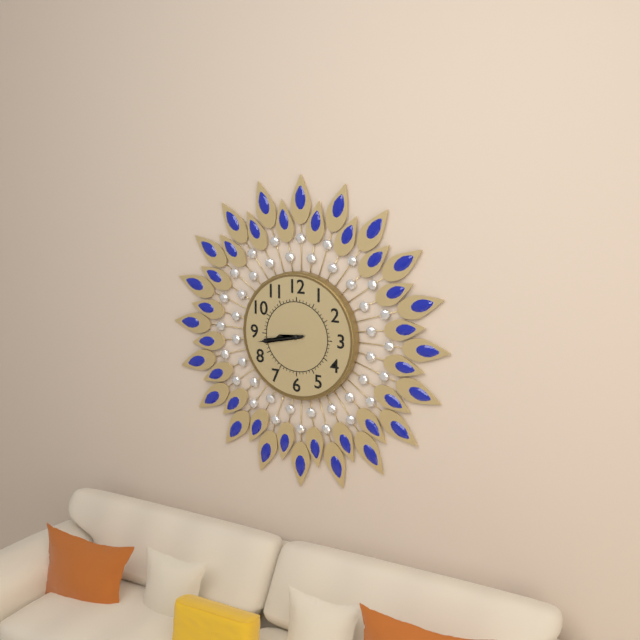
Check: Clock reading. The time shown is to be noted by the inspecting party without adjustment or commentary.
8:43
